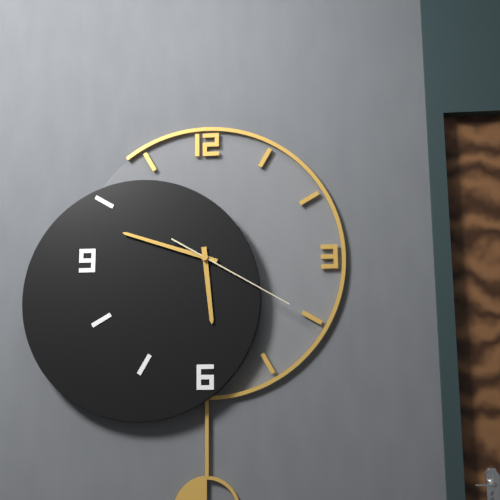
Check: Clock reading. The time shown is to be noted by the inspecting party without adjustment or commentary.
5:48:20
